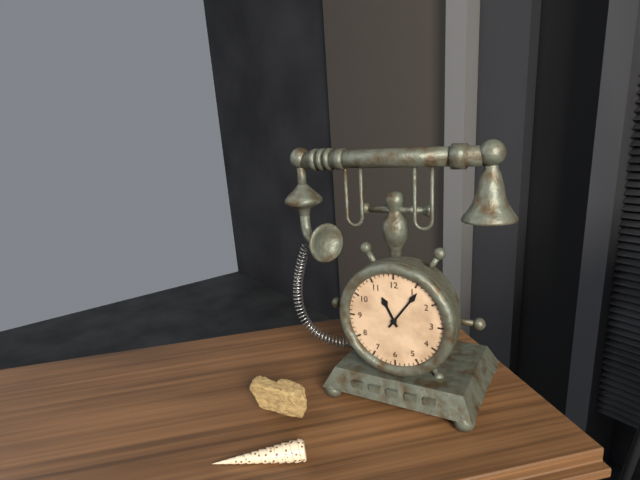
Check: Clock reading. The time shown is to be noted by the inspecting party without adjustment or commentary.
11:06
